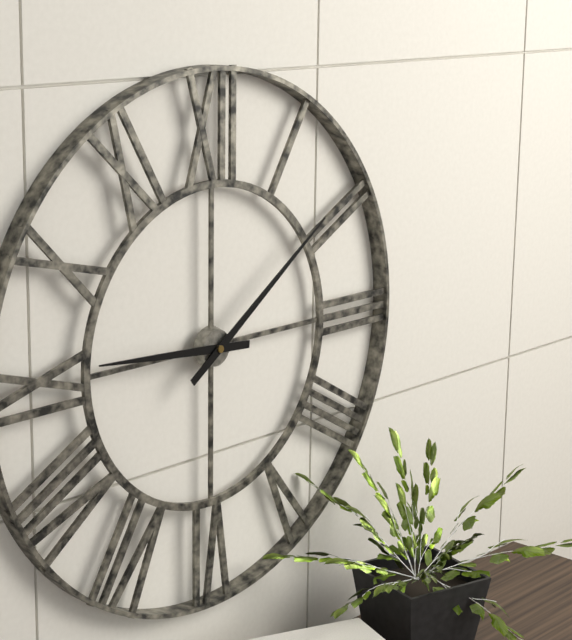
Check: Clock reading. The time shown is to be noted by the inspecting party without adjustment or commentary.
9:09
